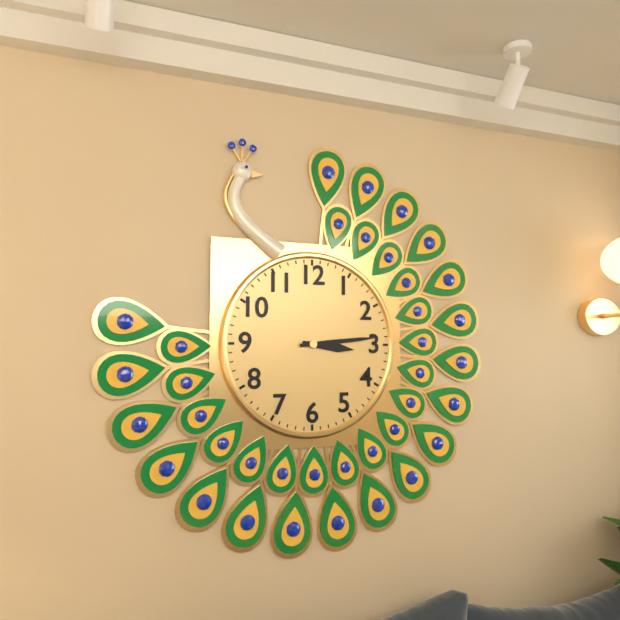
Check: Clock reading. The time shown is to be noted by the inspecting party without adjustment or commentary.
3:14
